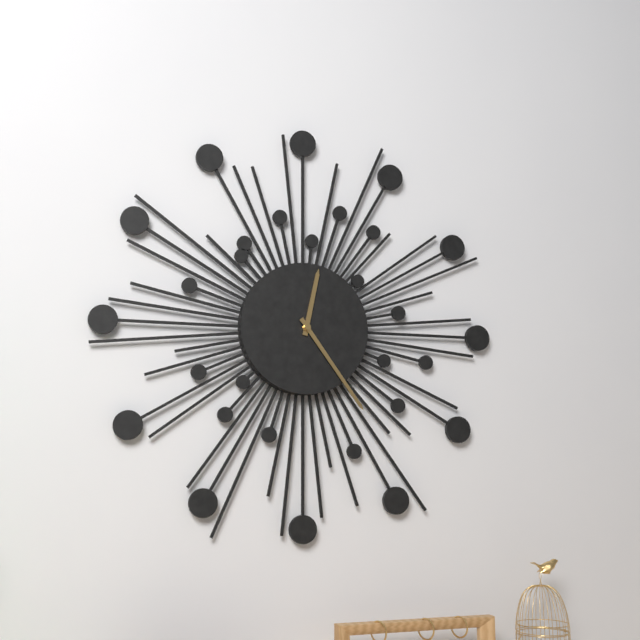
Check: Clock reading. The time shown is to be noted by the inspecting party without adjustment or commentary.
12:24
